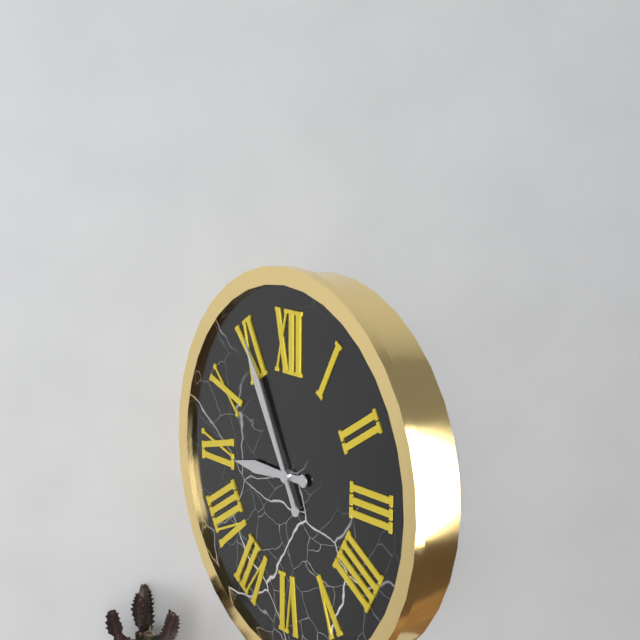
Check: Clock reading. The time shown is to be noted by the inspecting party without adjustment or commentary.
8:55
